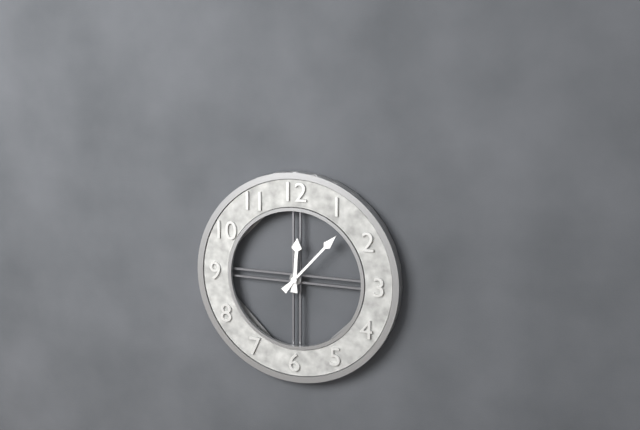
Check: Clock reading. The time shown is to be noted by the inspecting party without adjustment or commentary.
12:07
